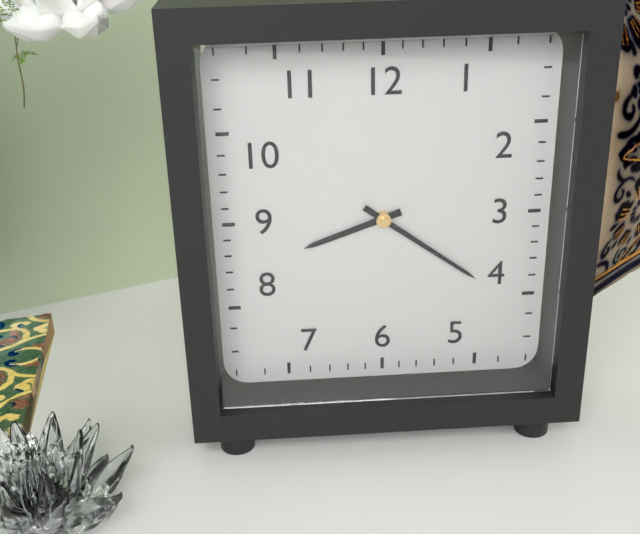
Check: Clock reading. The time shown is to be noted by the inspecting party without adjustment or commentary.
8:21
